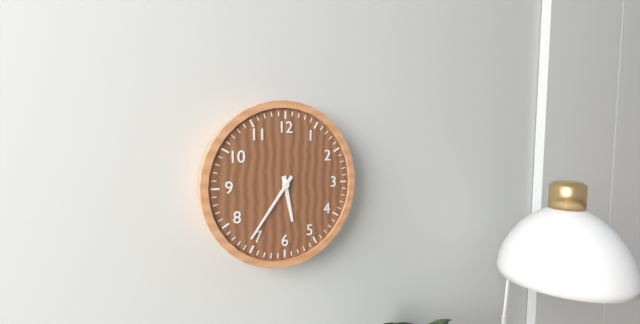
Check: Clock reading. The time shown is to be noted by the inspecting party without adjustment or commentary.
5:36
